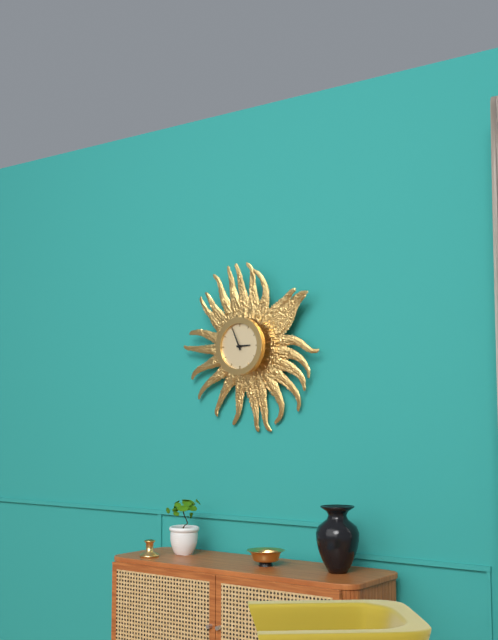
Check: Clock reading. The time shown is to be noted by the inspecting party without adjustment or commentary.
2:56
